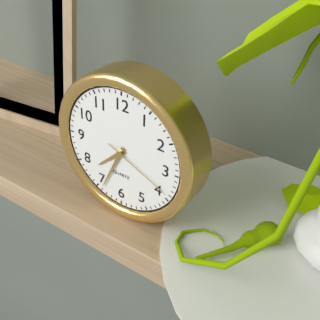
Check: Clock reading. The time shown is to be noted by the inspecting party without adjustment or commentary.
7:34:19
